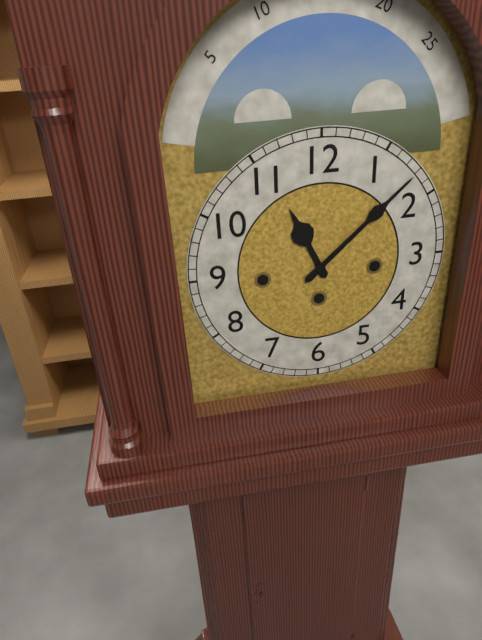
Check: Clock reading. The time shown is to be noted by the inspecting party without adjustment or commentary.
11:08
